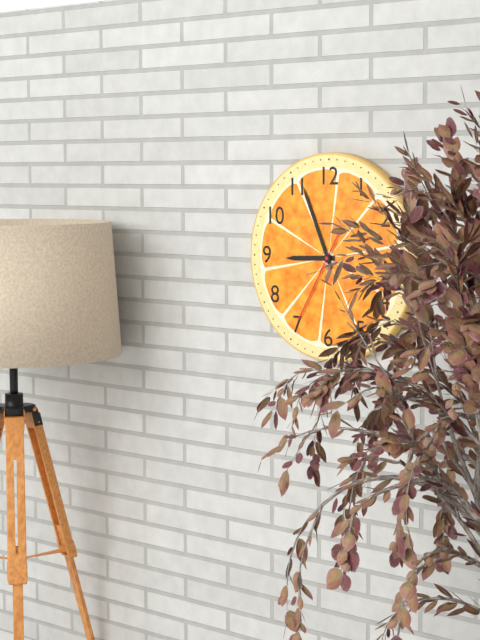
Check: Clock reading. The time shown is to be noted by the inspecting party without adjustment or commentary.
8:56:35
